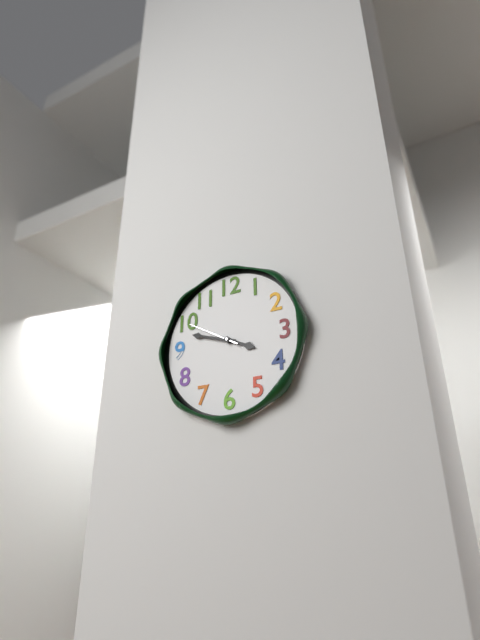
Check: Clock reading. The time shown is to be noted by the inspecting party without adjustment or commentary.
3:48:50
